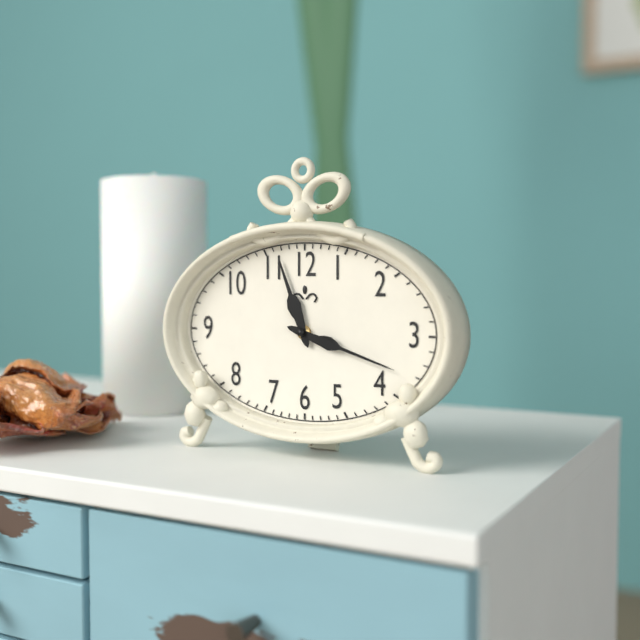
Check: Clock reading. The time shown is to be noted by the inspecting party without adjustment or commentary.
11:18
